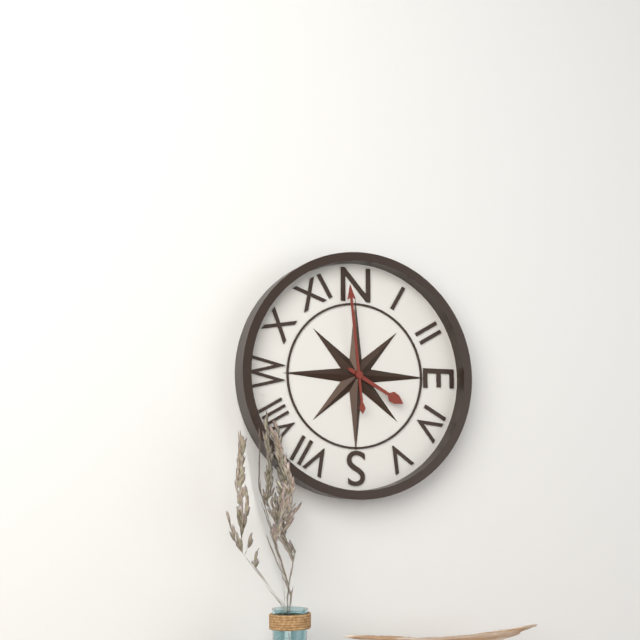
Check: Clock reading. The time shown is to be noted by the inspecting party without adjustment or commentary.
3:59
